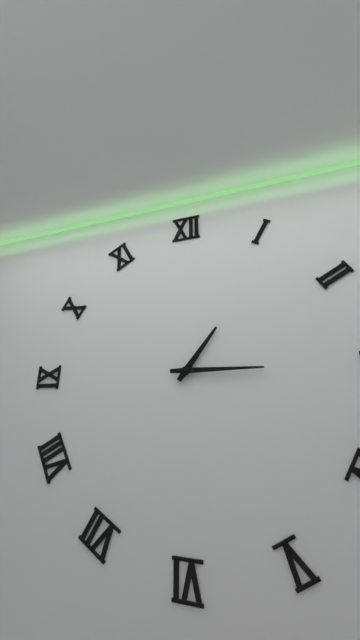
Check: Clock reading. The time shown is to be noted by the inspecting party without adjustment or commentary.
1:15
